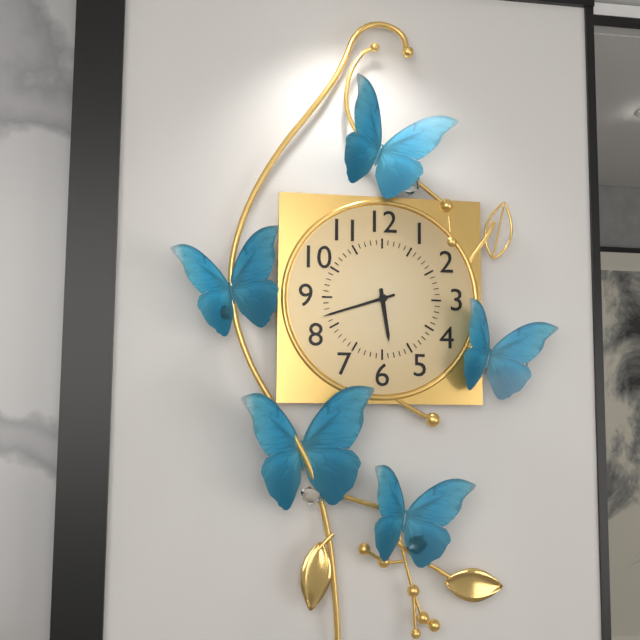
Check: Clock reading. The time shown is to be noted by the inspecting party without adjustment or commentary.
5:42
